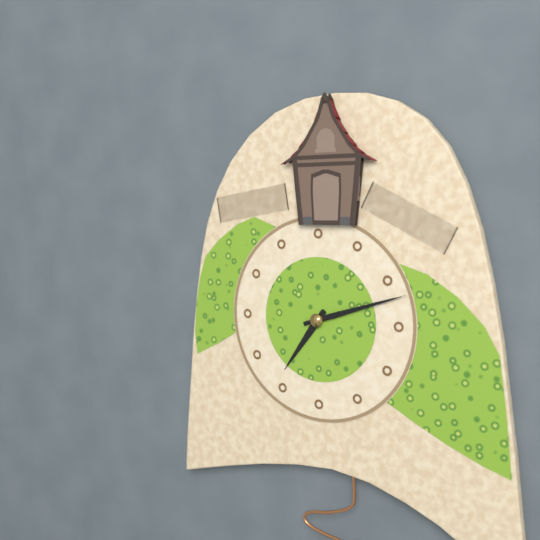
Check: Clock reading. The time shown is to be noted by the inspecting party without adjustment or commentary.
7:12
